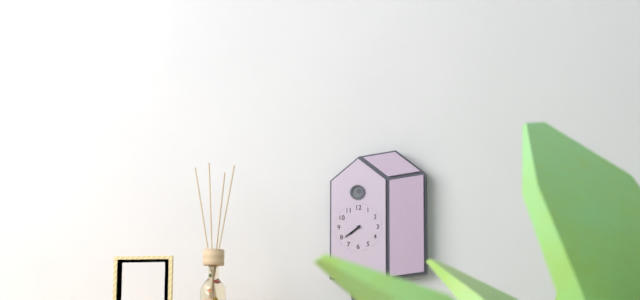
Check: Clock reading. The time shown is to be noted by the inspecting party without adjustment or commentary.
7:39
